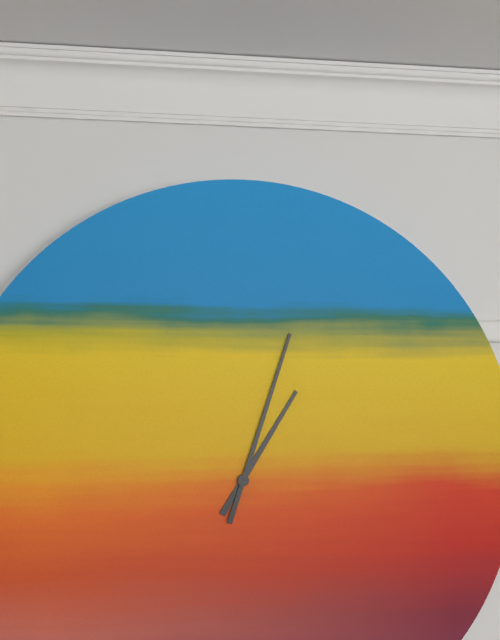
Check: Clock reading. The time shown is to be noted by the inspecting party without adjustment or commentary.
1:03
